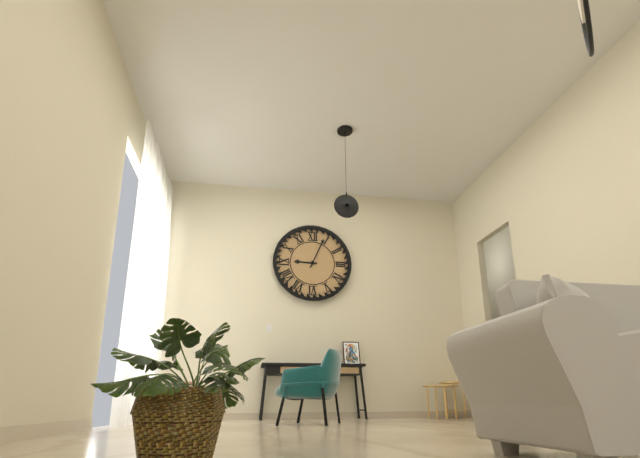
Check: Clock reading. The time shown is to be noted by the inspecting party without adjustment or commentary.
9:04
